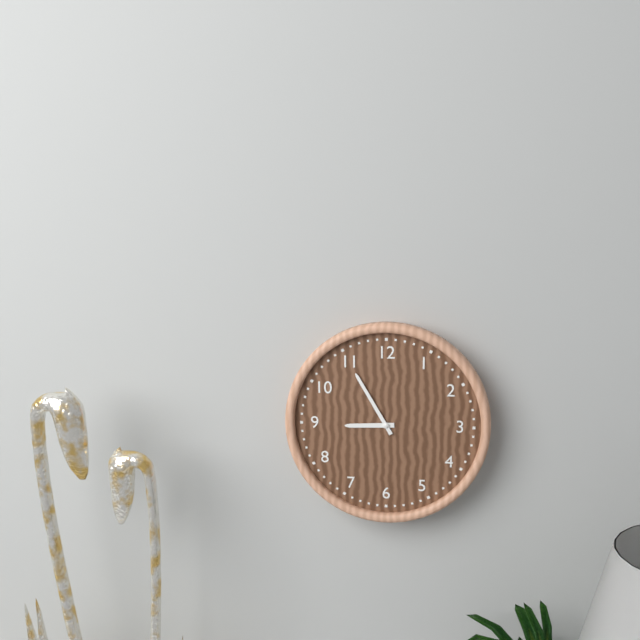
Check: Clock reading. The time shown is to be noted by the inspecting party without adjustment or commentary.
8:55
